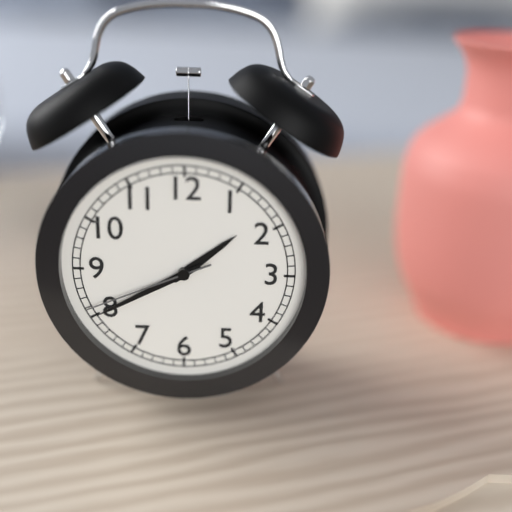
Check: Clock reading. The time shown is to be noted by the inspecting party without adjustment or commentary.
1:40:41
